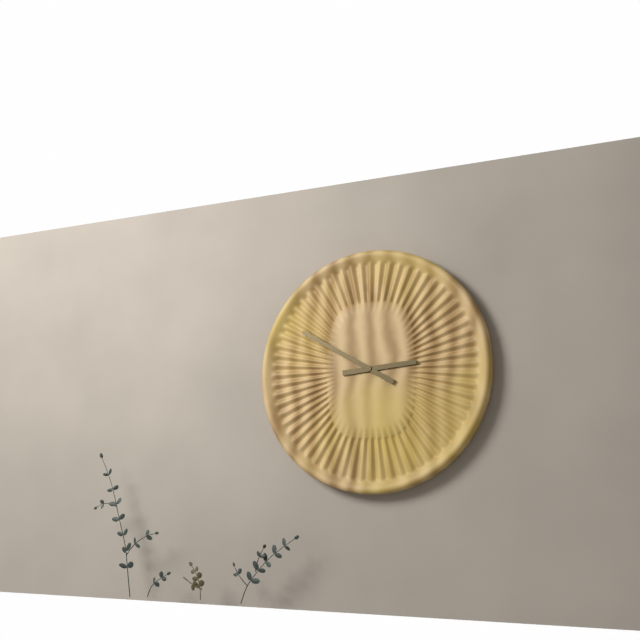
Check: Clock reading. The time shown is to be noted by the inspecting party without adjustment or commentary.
2:50
